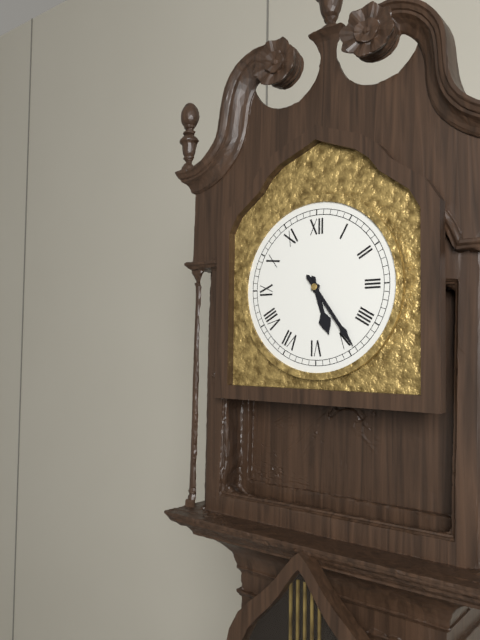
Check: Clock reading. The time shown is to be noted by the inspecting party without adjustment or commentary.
5:24
